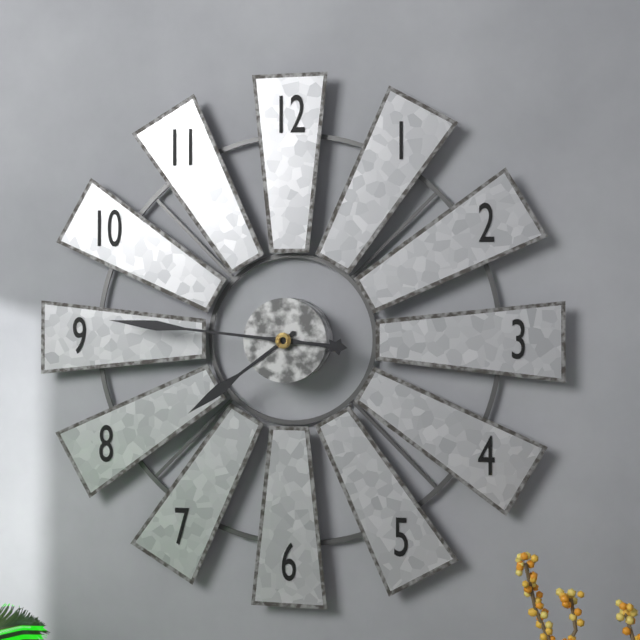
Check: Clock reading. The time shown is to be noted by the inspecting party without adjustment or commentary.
7:46
